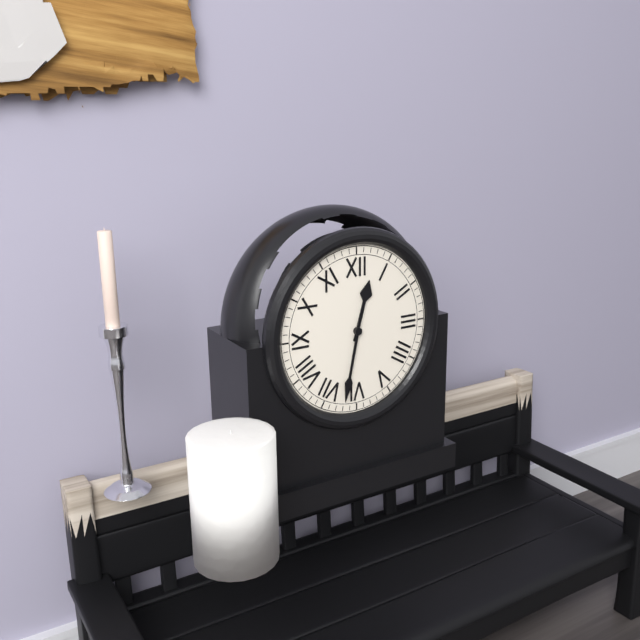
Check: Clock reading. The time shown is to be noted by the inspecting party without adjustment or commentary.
12:32
